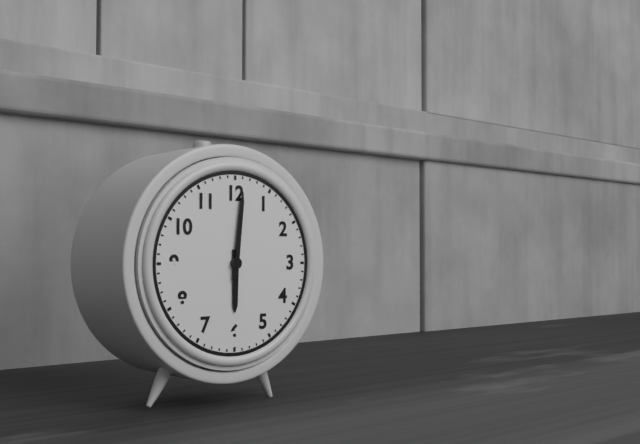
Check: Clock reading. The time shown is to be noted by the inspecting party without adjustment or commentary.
6:01
